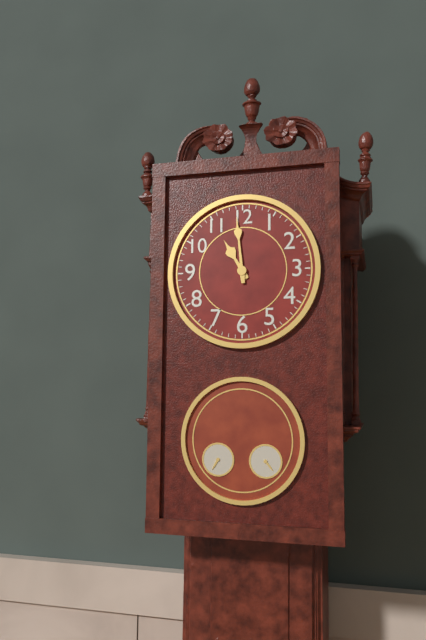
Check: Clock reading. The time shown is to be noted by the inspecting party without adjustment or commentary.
10:59
